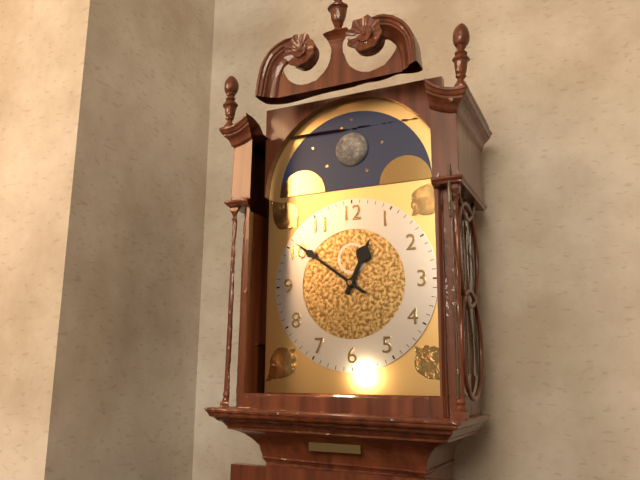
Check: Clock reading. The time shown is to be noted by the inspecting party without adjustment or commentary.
12:51
